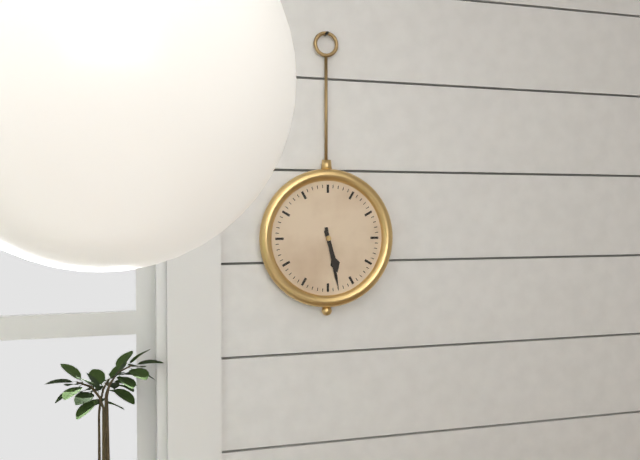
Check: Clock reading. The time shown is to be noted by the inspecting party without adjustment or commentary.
5:28
